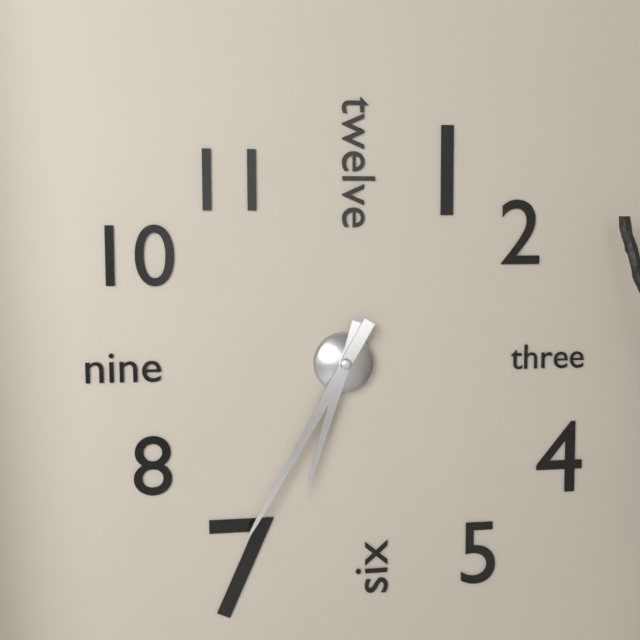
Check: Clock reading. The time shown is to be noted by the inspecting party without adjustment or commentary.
6:35
